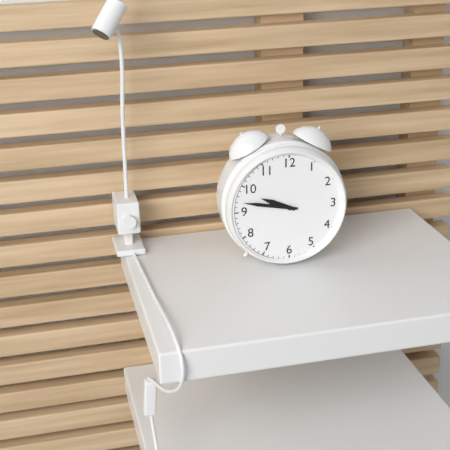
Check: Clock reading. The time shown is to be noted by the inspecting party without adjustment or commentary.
9:47
